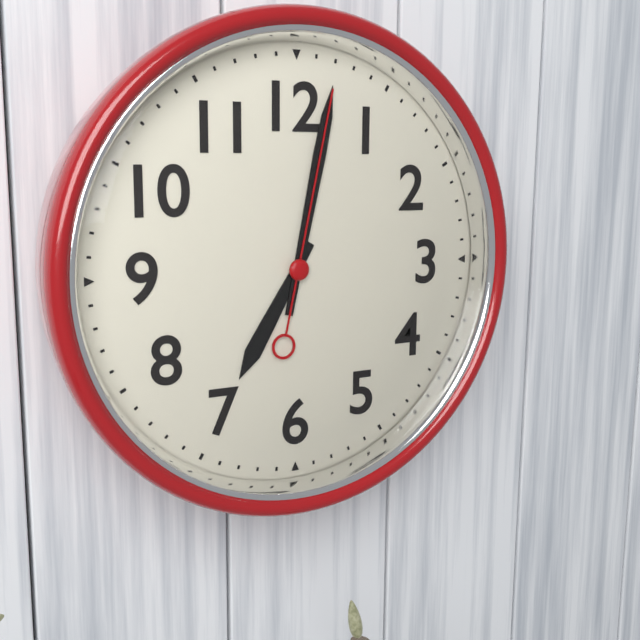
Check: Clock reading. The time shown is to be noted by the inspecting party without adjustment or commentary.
7:02:02
